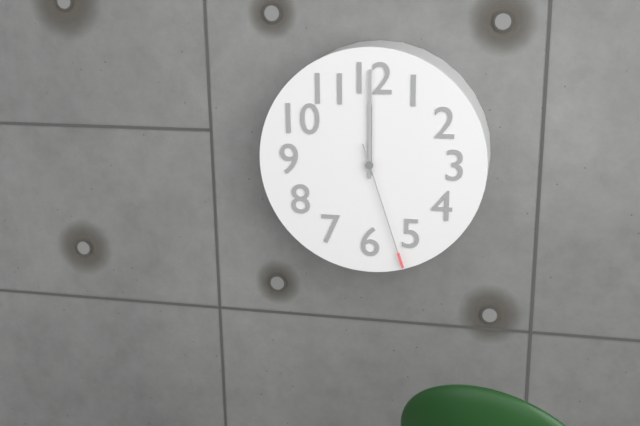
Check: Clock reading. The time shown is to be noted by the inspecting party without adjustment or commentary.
12:00:27
